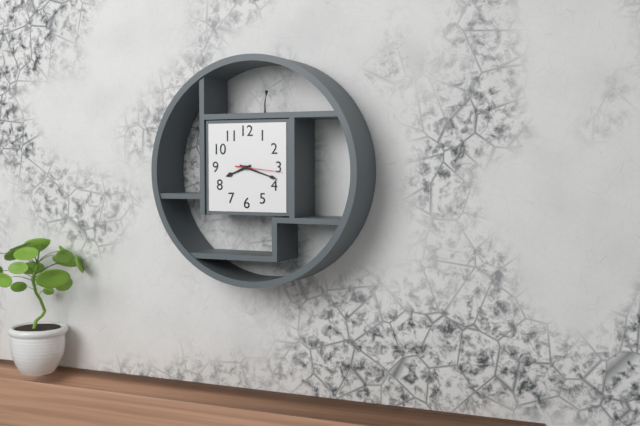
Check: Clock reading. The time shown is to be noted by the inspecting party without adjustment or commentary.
8:18
